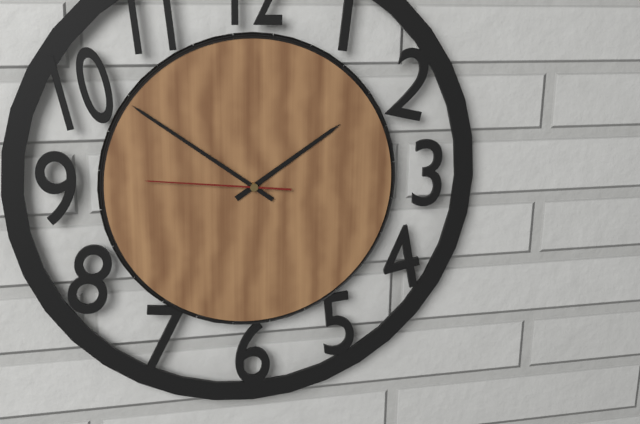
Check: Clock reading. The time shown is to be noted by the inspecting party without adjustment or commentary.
1:51:46
